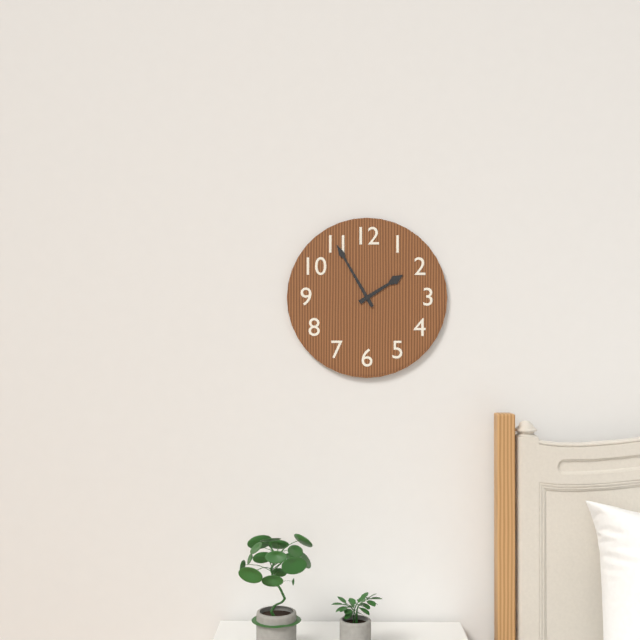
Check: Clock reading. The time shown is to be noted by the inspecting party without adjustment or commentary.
1:55
